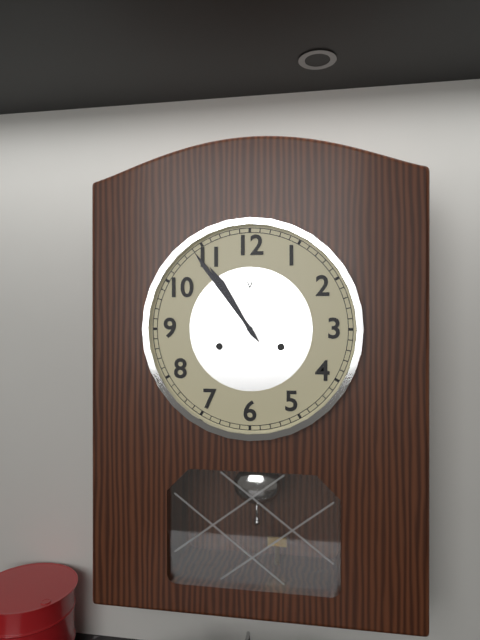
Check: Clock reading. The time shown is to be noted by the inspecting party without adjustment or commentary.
10:54
